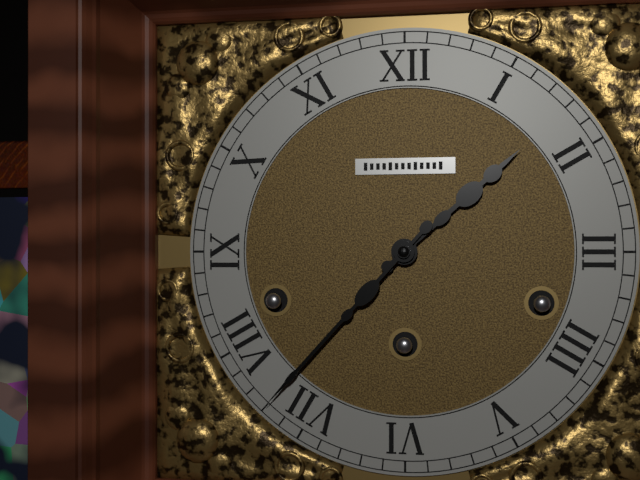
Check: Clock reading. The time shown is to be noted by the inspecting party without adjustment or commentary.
1:37
